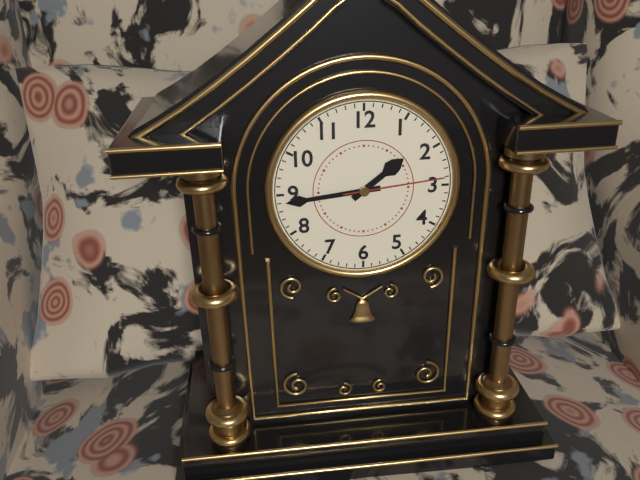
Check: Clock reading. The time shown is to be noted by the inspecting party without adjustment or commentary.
1:44:14
